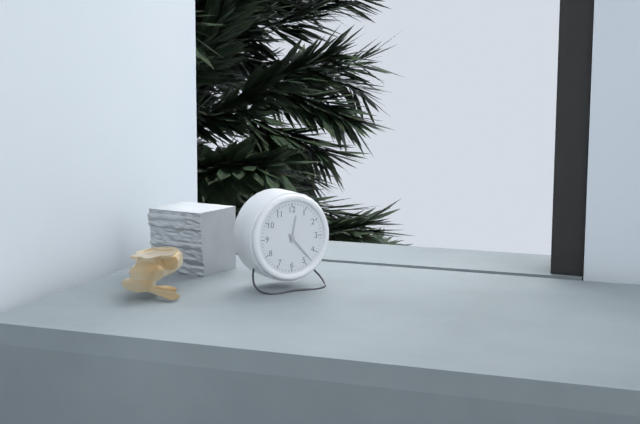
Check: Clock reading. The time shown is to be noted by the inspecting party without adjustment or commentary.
12:23
